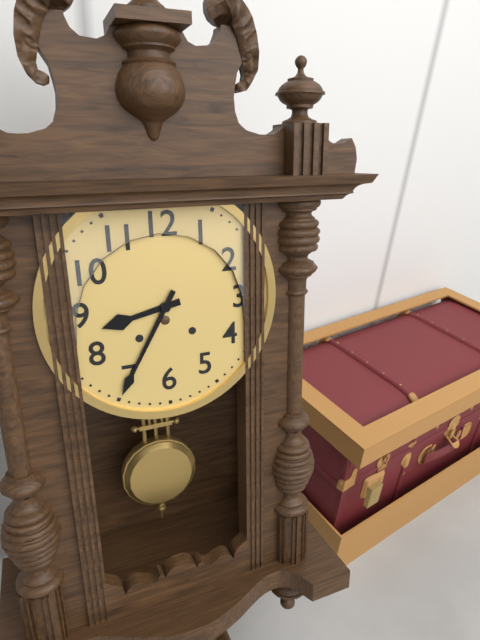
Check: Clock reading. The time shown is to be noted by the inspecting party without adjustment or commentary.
8:35
